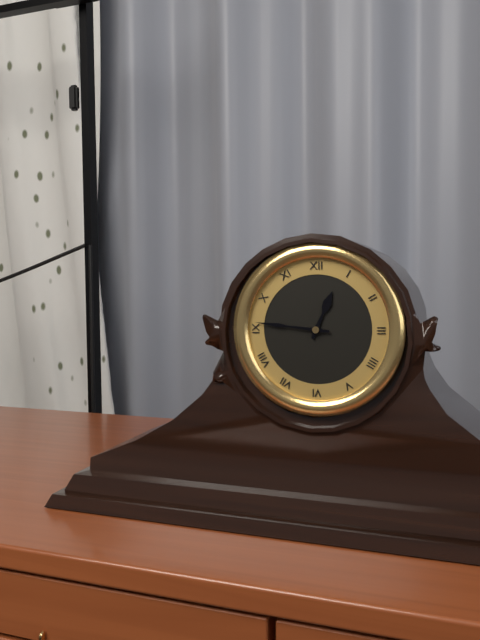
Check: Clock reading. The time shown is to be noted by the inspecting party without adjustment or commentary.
12:46
